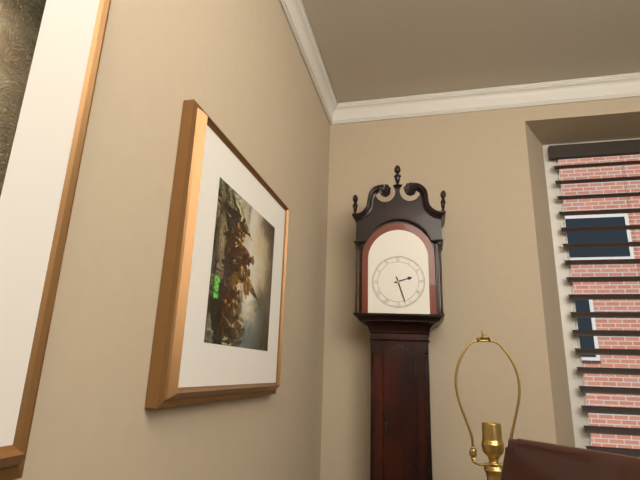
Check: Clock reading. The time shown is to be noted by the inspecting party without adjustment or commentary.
2:27
